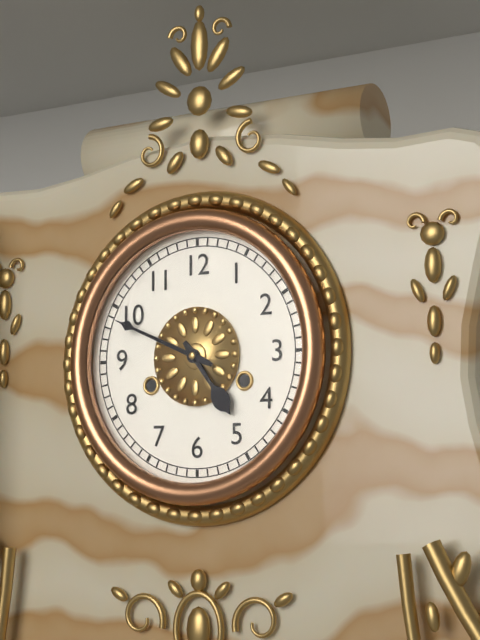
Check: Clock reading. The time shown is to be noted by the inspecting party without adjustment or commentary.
4:49
